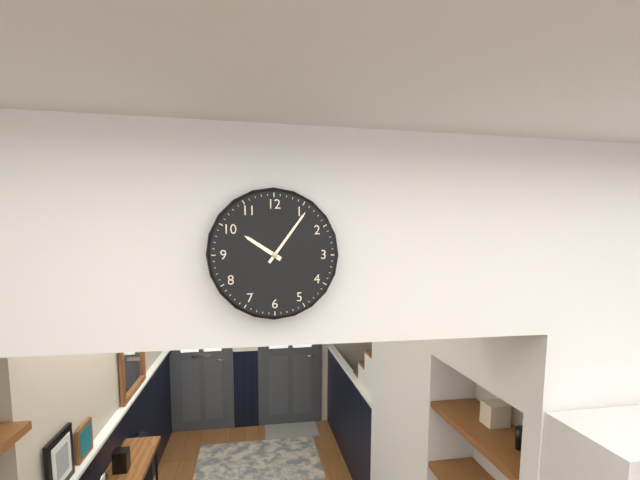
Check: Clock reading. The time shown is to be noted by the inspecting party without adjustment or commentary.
10:06
